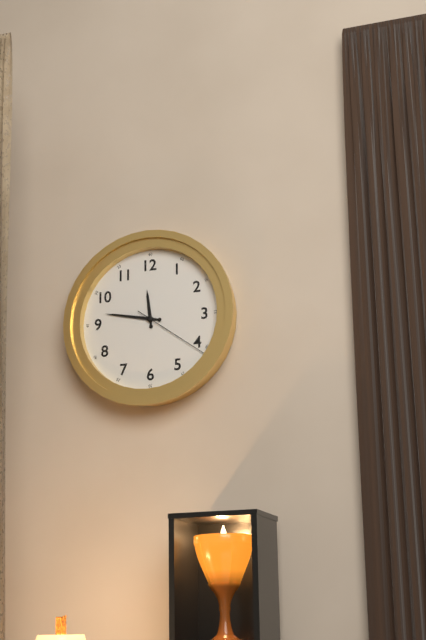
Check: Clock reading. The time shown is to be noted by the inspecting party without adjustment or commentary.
11:47:21
